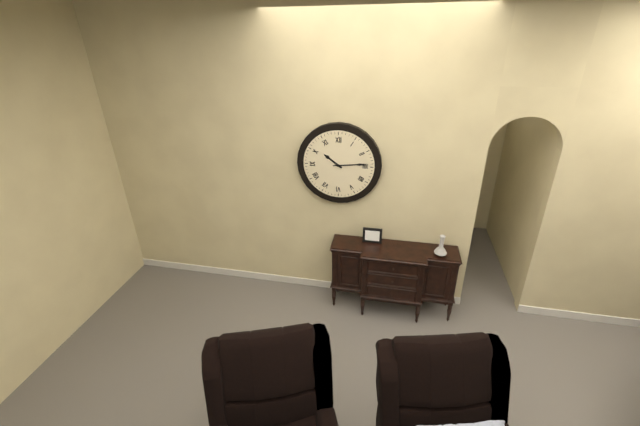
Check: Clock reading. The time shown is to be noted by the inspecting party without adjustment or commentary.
10:14
